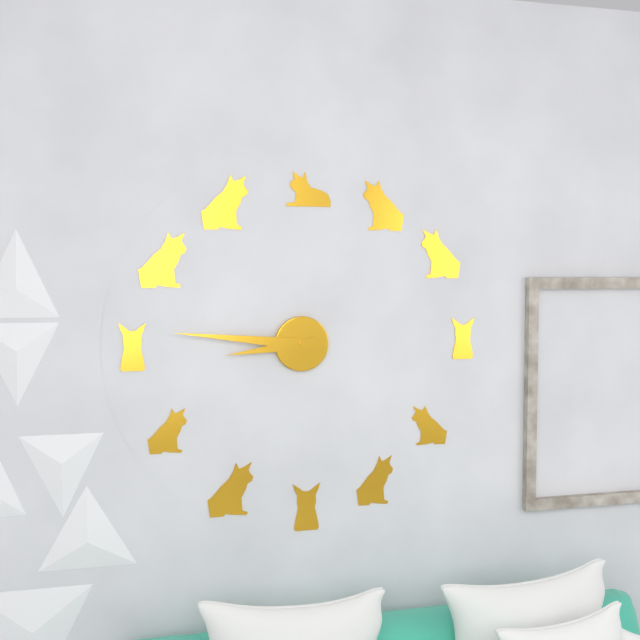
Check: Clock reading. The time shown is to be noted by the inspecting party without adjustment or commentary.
8:46
